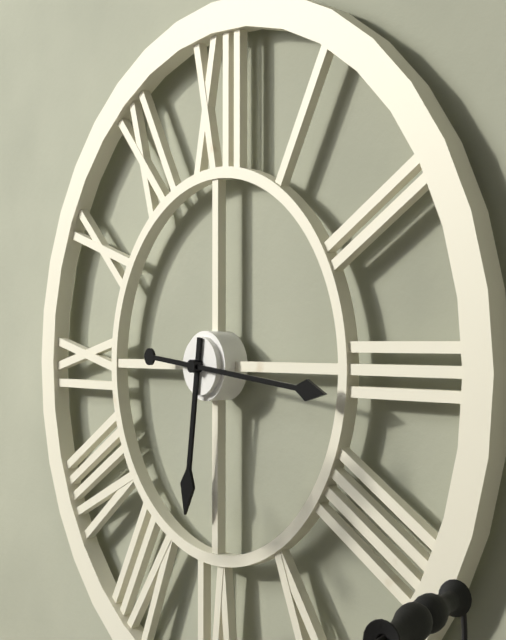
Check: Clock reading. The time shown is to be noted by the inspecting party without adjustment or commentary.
6:16
